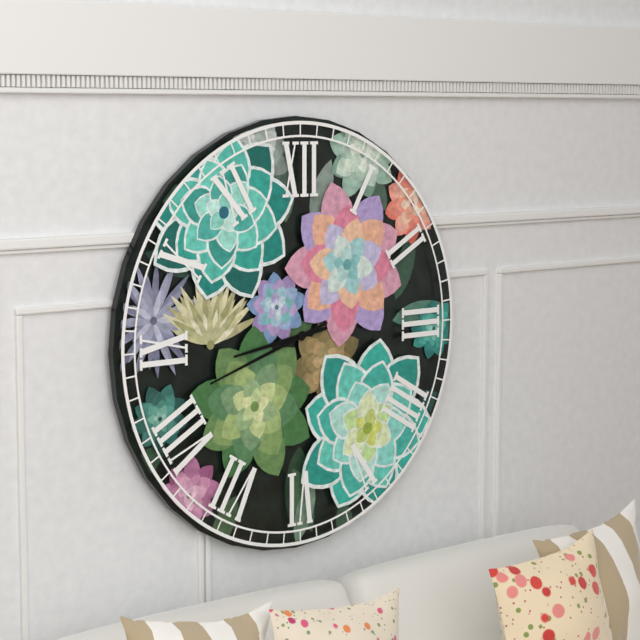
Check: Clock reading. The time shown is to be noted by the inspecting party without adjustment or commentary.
8:42
